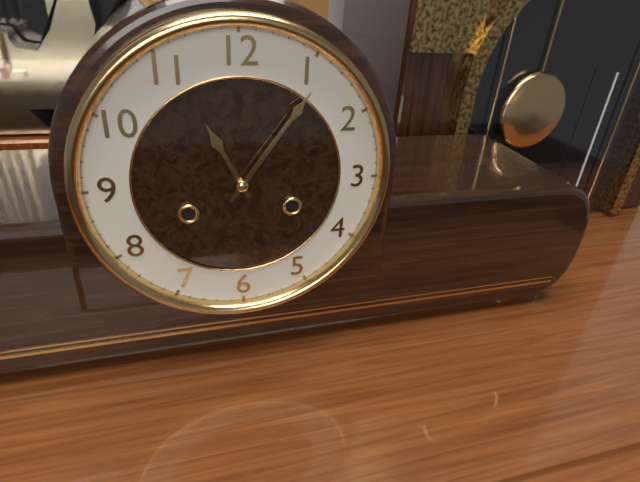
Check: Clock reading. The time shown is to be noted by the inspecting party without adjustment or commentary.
11:06
